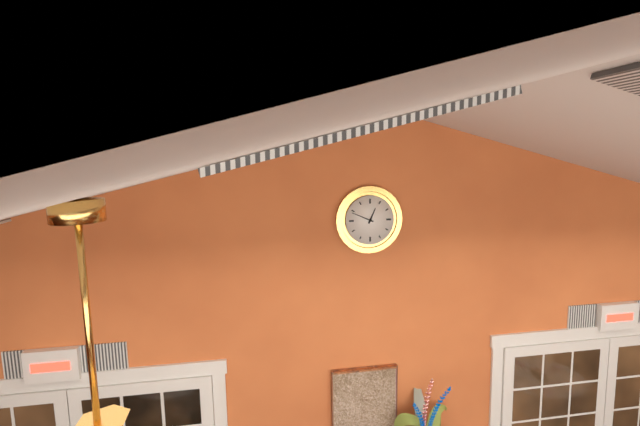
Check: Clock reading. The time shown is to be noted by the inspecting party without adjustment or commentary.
12:49
